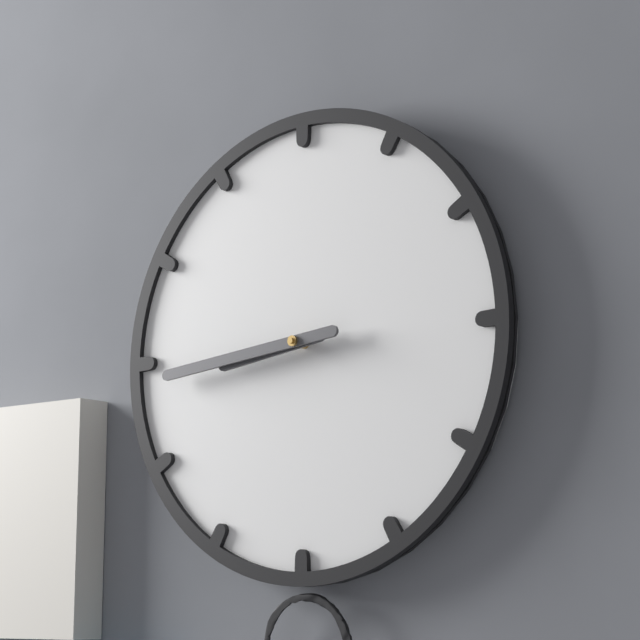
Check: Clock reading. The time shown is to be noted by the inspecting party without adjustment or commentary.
8:44
